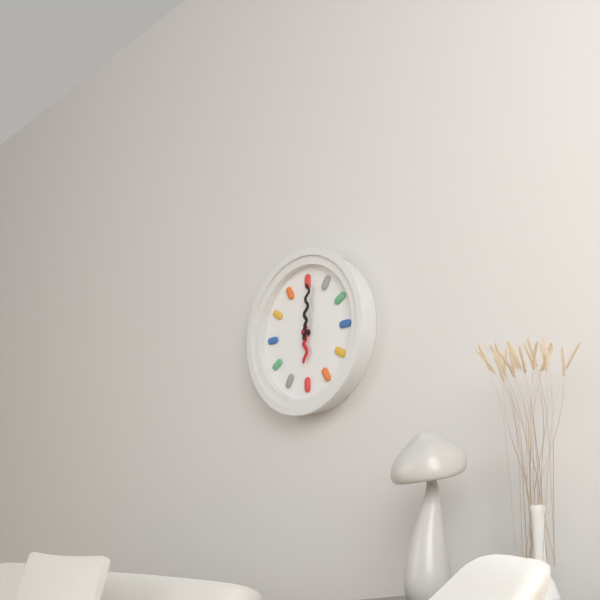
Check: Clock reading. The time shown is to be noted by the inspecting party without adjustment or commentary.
6:01
